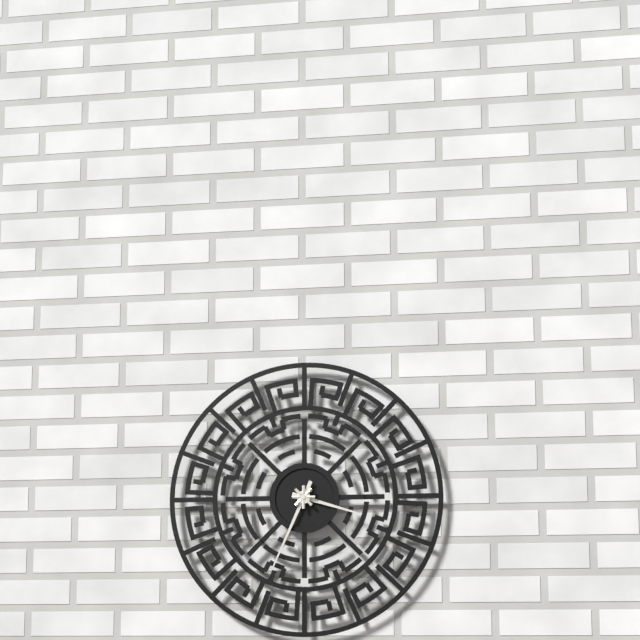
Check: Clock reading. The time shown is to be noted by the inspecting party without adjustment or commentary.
3:34
